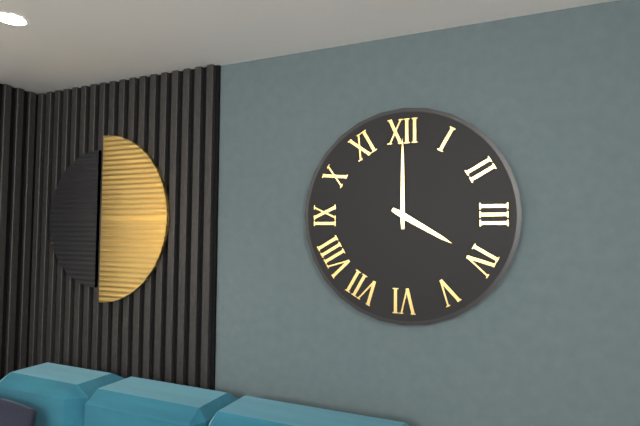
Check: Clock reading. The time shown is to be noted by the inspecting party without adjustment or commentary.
4:00
